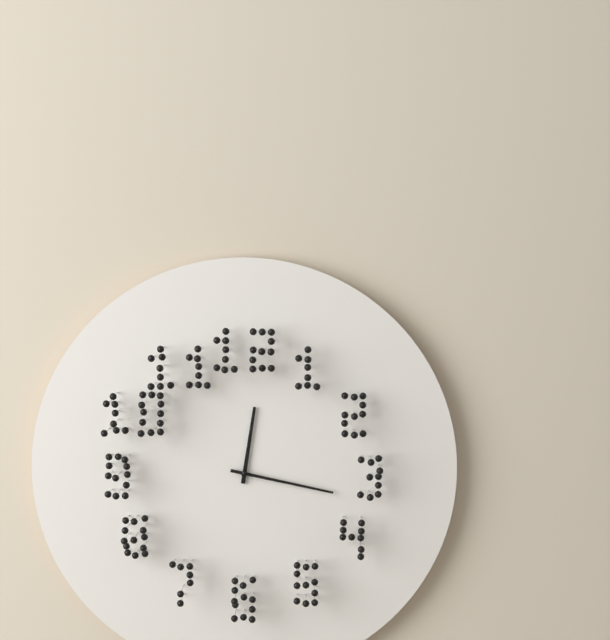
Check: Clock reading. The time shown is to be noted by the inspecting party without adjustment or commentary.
12:17
